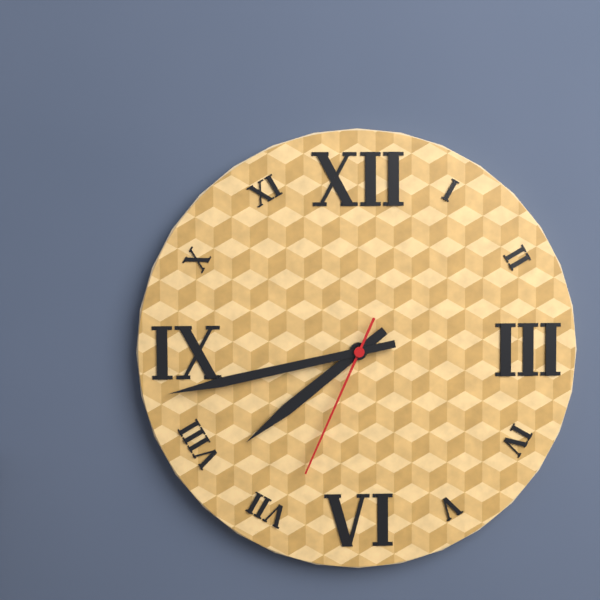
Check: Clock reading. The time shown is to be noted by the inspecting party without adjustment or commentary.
7:43:34
